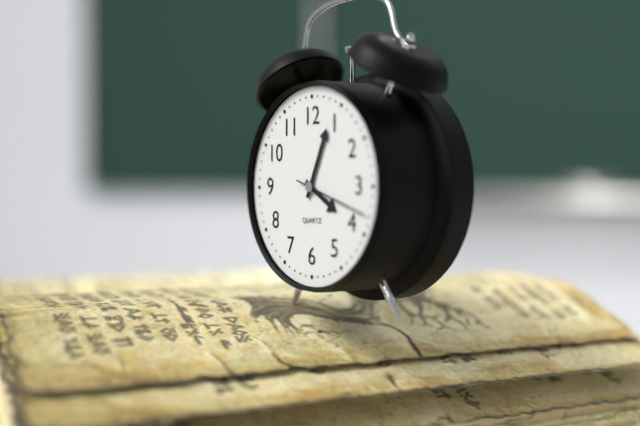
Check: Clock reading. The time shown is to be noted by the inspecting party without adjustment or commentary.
4:04
